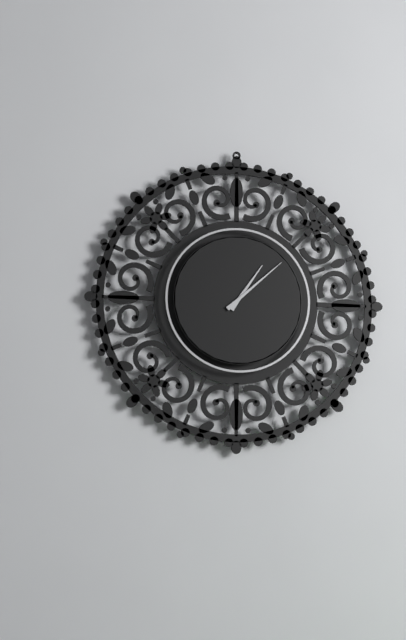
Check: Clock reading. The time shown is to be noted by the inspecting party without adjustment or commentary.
1:08
